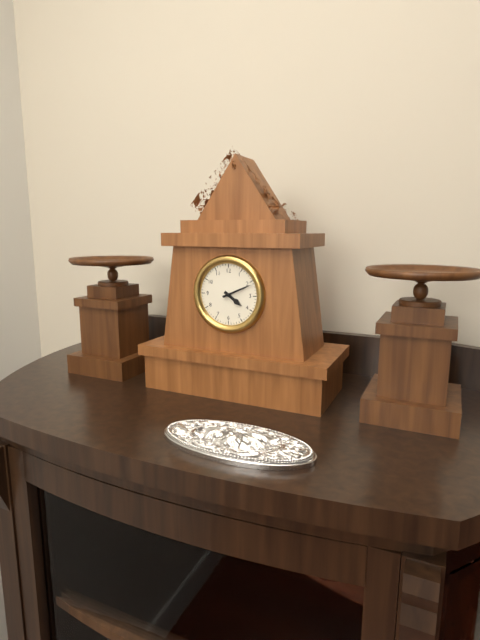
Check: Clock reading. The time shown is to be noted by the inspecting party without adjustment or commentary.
4:11
